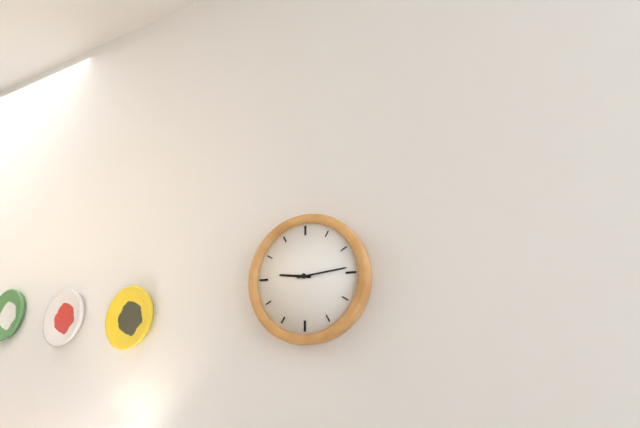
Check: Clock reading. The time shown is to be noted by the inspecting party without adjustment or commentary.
9:14
